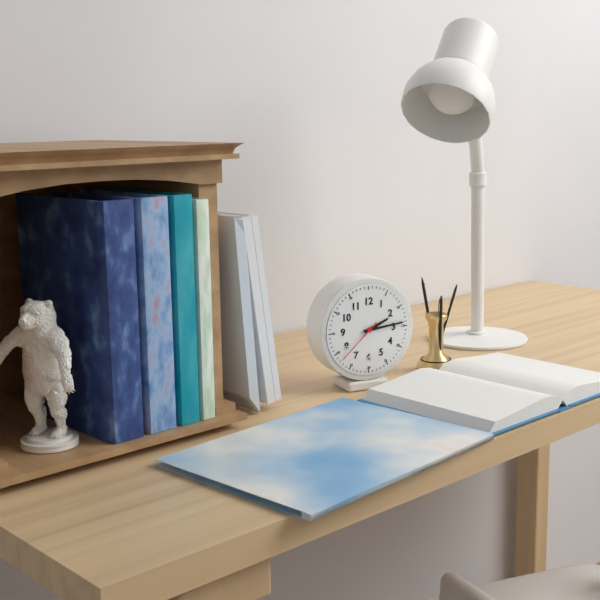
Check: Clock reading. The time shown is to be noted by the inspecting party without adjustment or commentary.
2:14:38
